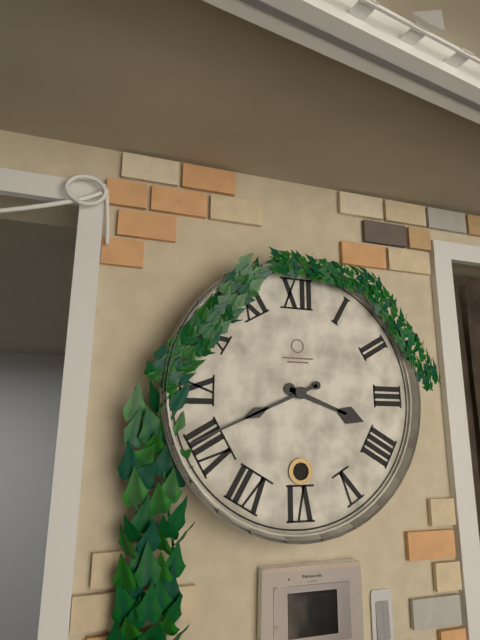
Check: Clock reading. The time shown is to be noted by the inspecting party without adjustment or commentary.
3:41
